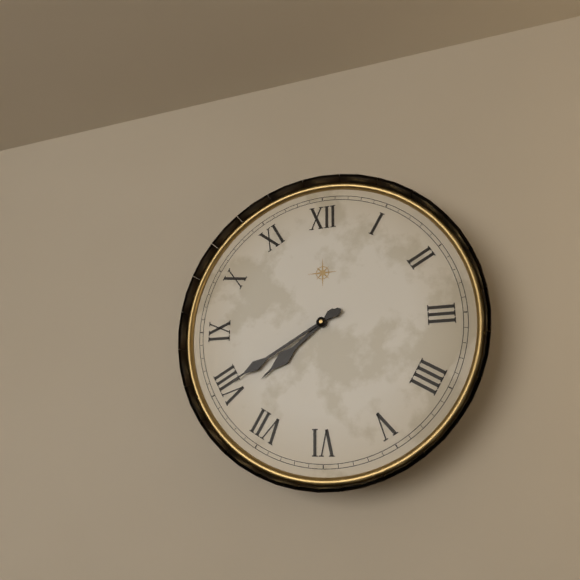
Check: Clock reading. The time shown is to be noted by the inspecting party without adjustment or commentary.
7:40
